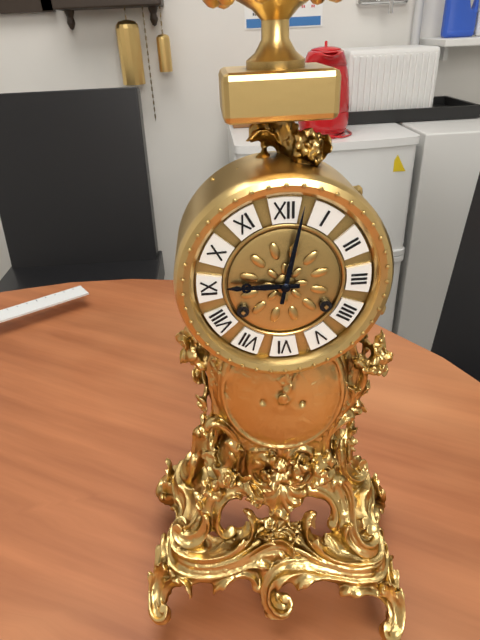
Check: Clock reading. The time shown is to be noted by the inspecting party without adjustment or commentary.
9:02
